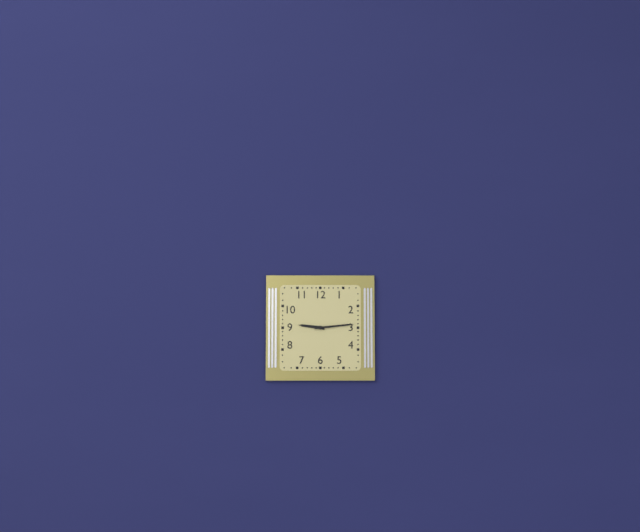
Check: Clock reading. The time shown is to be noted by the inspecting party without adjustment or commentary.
9:14
